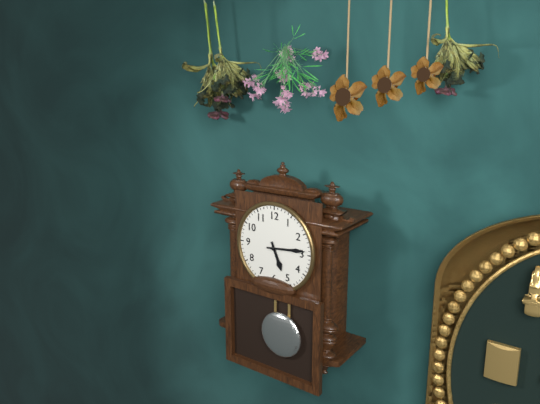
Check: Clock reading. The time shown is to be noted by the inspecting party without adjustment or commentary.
5:14
